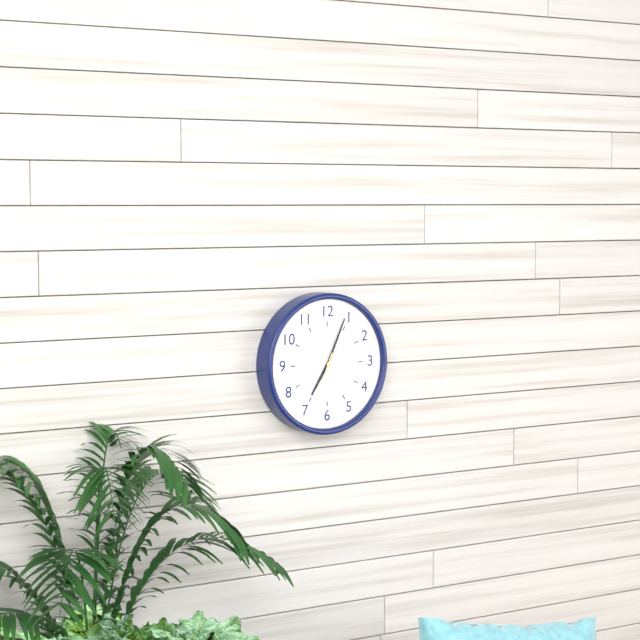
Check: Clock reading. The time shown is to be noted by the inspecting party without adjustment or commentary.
7:04:34
